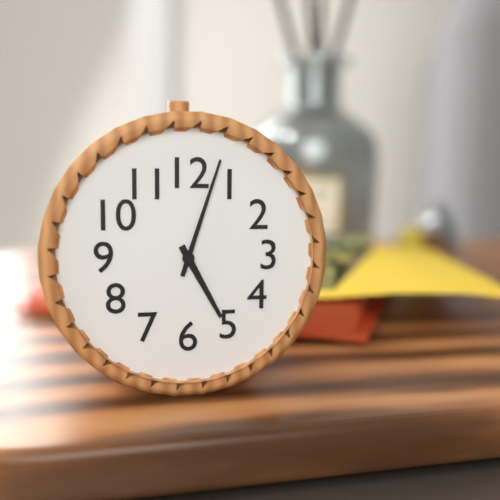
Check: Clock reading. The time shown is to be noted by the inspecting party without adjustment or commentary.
5:03
